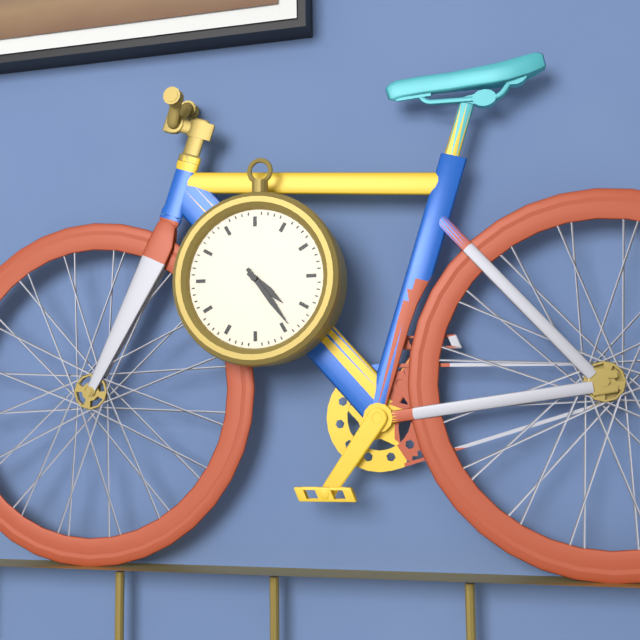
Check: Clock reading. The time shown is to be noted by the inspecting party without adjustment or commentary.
4:24
